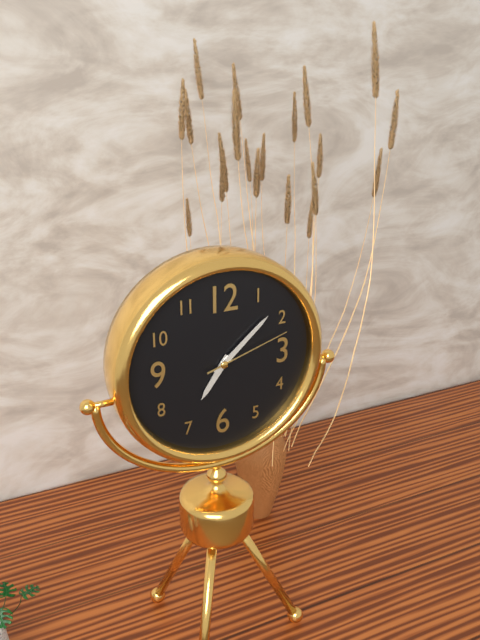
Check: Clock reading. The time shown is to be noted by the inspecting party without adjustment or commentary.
7:08:12
